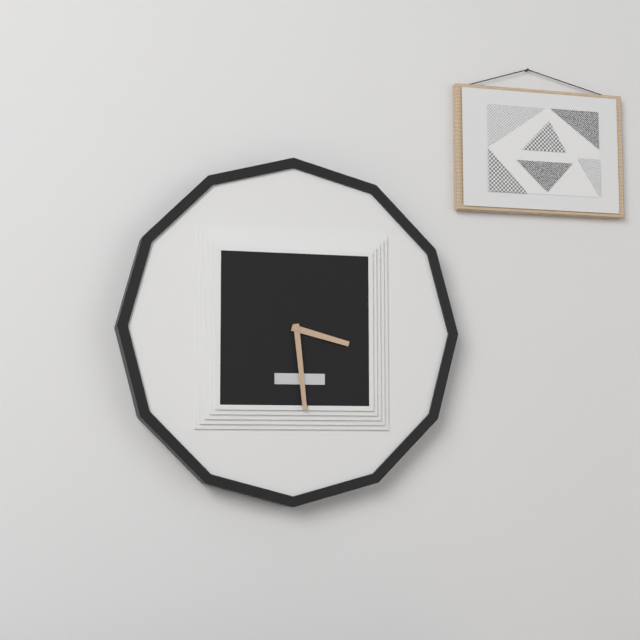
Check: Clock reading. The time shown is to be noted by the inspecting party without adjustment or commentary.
3:29
